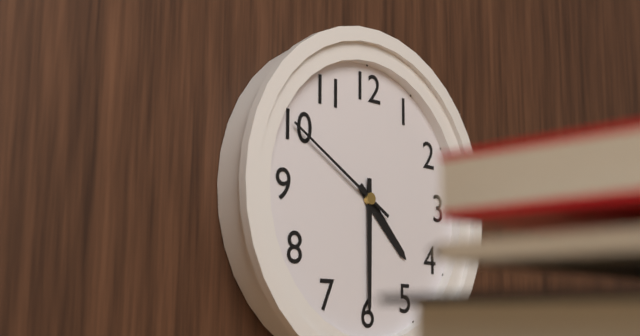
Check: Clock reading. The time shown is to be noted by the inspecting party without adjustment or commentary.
4:30:50
